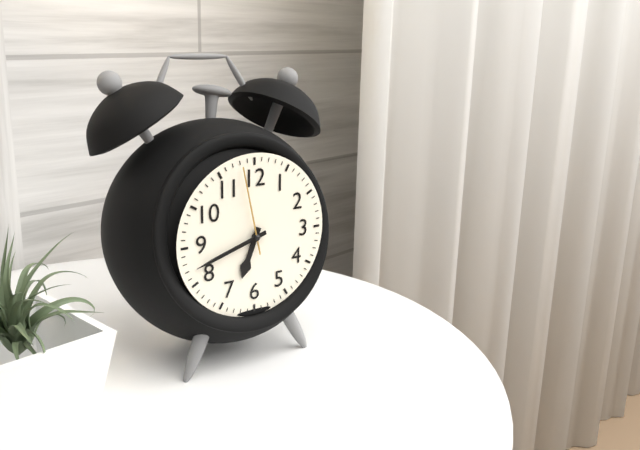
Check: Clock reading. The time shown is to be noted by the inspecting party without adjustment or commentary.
6:42:58
